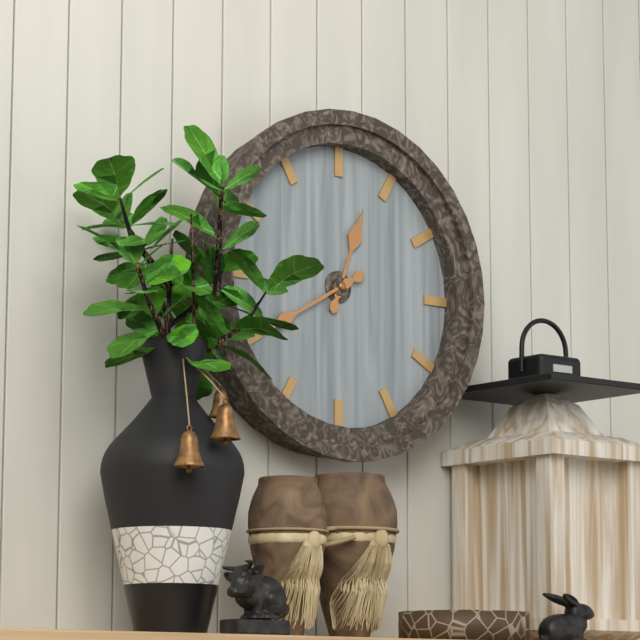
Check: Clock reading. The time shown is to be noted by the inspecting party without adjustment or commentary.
12:40
